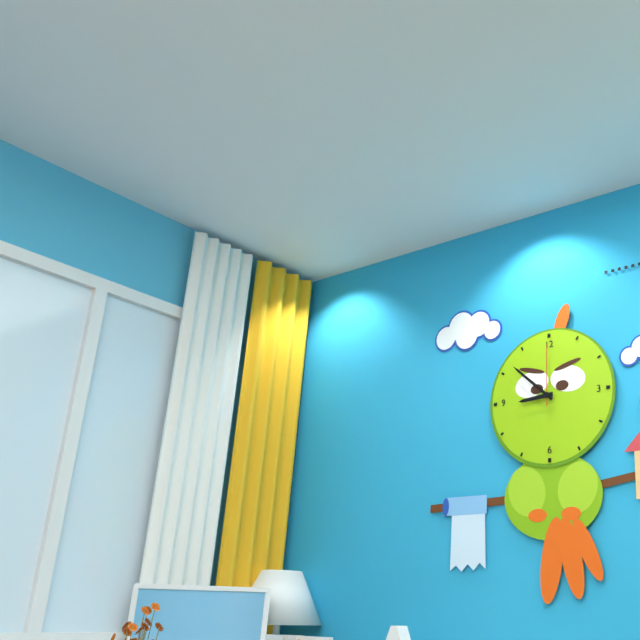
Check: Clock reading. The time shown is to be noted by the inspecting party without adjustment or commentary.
8:52:00
